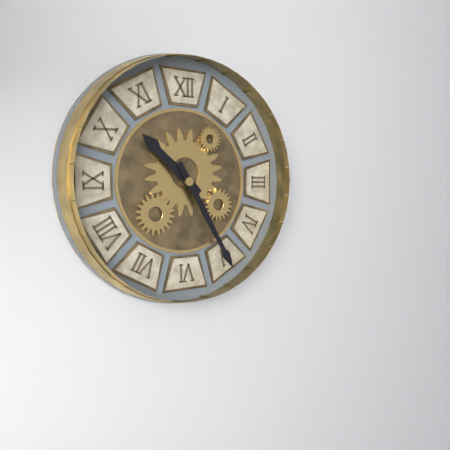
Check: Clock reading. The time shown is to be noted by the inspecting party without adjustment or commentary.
10:25
